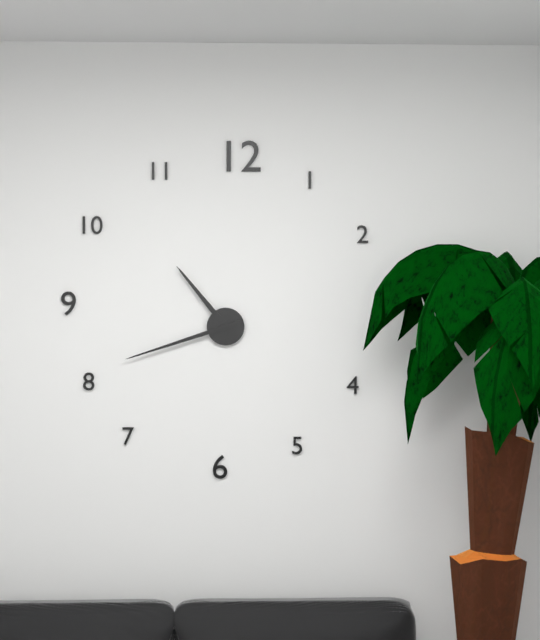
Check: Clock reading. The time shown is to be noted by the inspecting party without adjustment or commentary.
10:42
